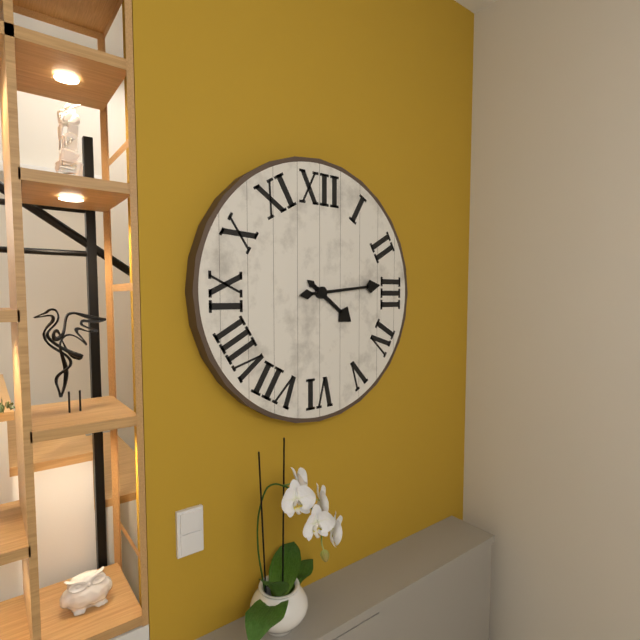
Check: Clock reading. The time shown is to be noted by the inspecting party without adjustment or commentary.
4:14
